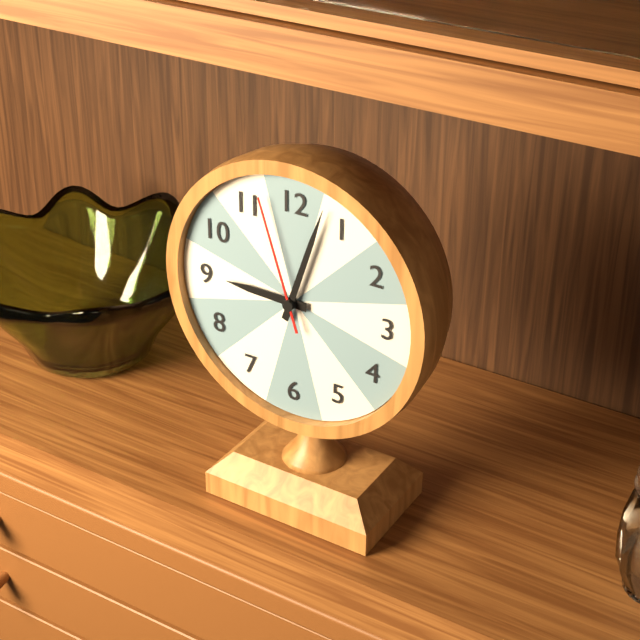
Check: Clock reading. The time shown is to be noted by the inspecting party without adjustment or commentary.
9:03:57
